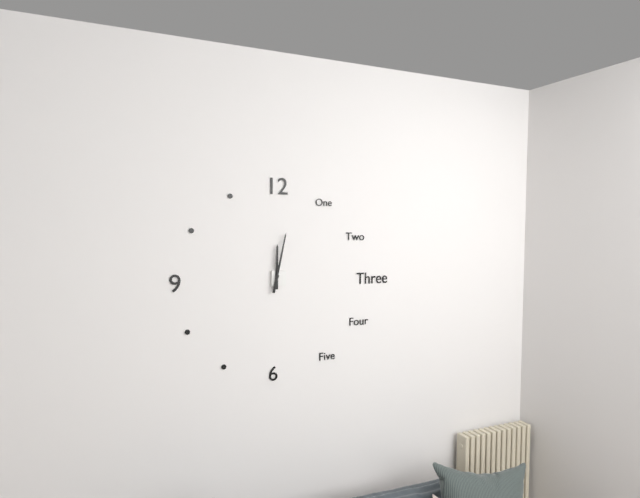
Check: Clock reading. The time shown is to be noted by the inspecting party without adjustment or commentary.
12:02
